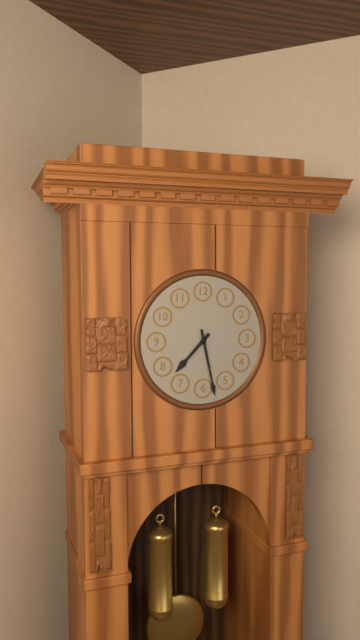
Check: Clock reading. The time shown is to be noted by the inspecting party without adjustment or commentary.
7:28
